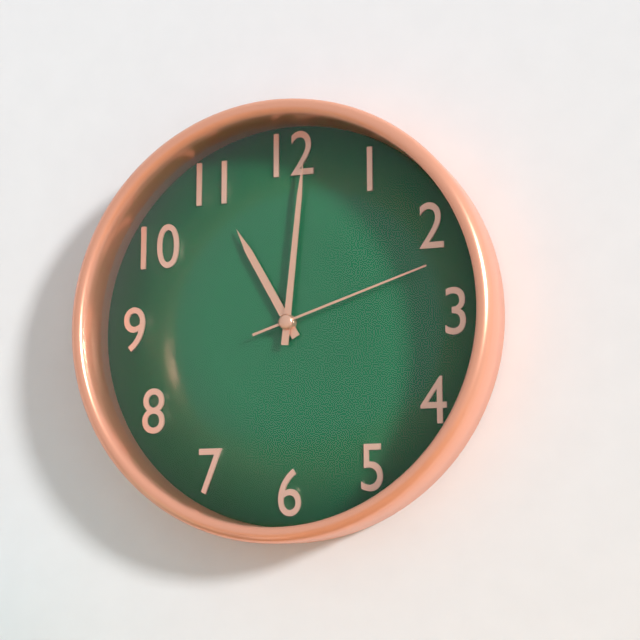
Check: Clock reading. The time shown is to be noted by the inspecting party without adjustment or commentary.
11:01:12
